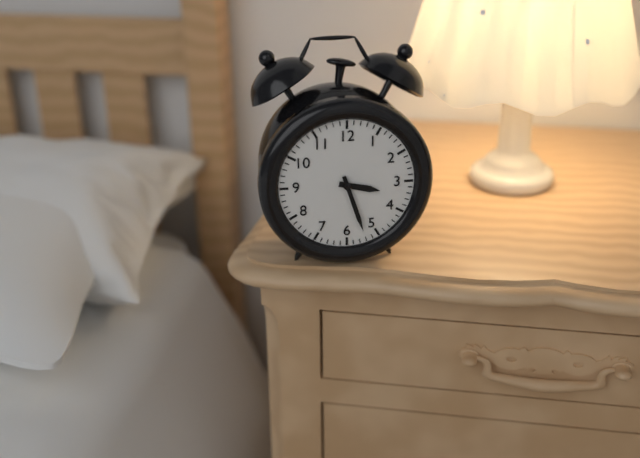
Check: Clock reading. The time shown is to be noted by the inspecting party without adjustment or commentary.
3:27
